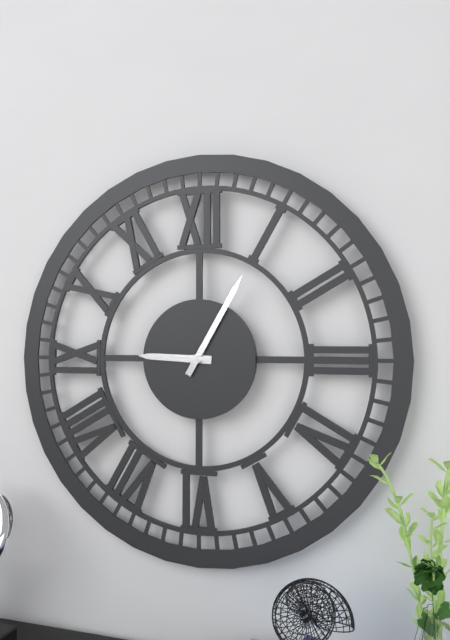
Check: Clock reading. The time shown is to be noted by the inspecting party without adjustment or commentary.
9:05
